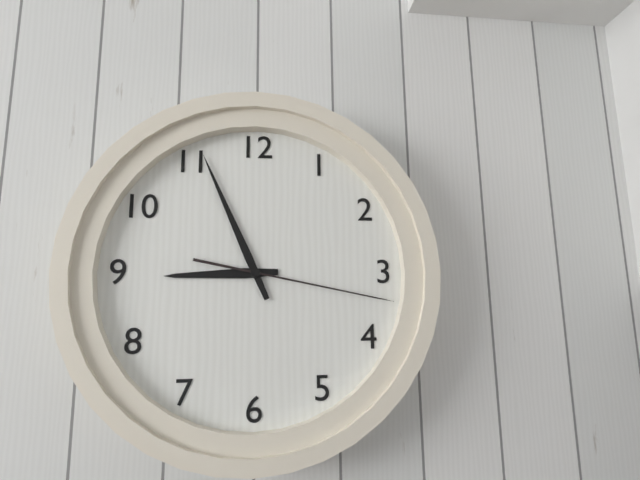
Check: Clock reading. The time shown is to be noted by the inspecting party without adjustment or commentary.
8:56:17
